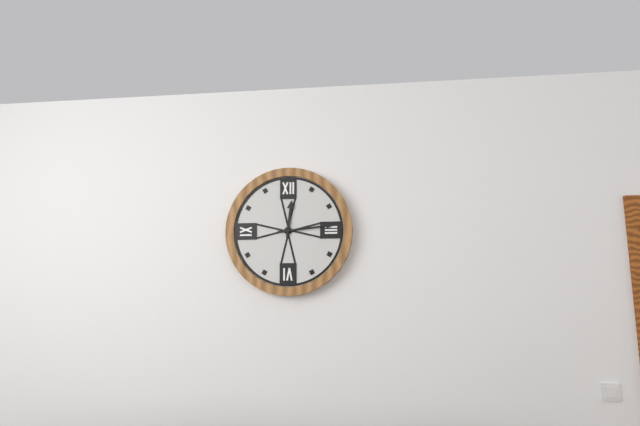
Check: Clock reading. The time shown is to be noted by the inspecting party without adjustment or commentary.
12:14
